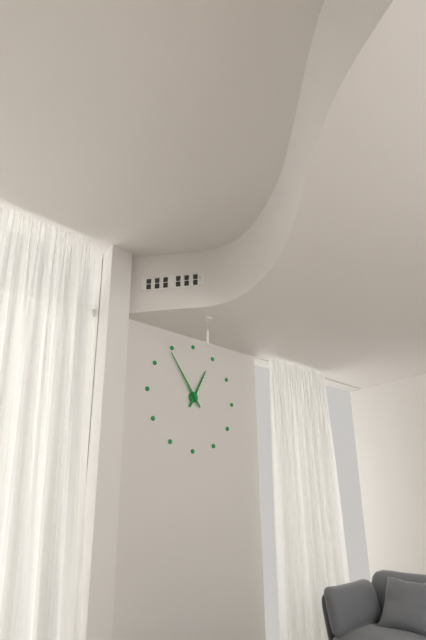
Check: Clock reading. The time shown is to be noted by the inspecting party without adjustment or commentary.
12:54
